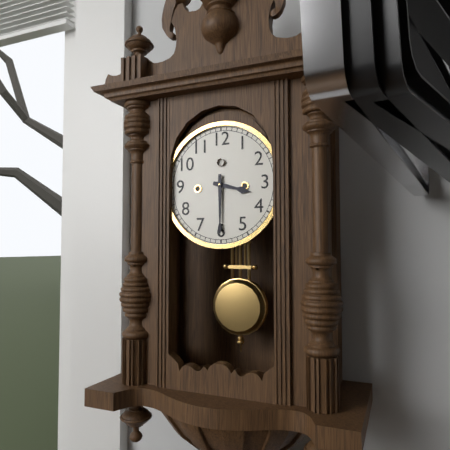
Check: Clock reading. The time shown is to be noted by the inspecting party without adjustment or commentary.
3:30
